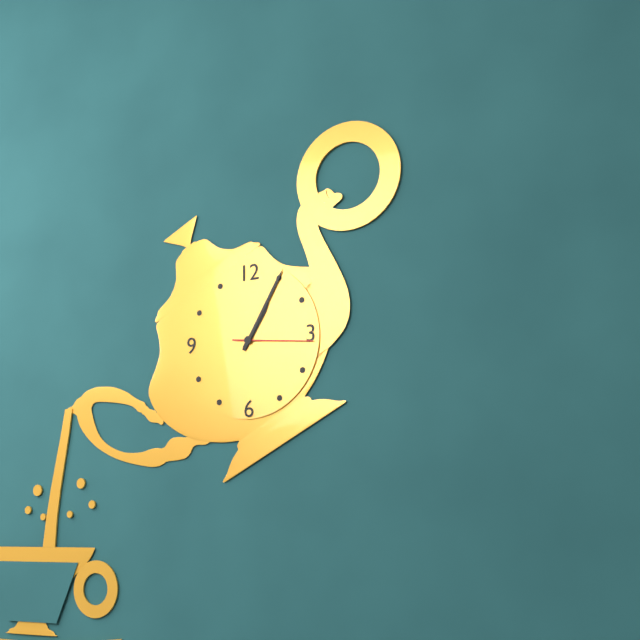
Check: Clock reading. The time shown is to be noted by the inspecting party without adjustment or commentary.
1:05:16
